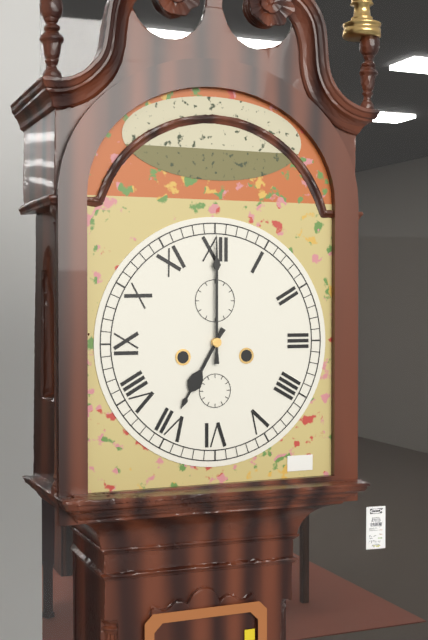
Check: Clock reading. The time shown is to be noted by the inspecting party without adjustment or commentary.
7:00
